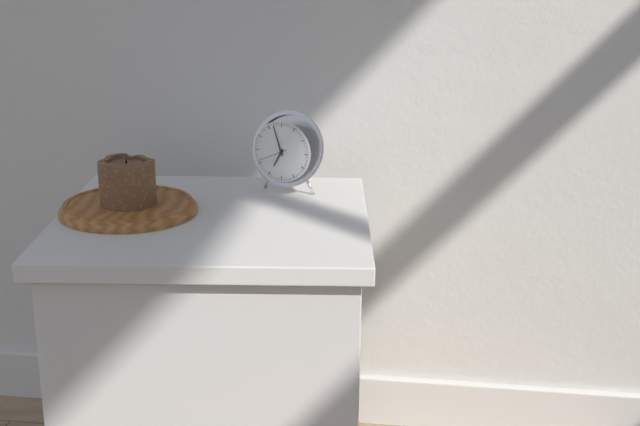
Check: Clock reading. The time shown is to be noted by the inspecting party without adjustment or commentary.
6:57
